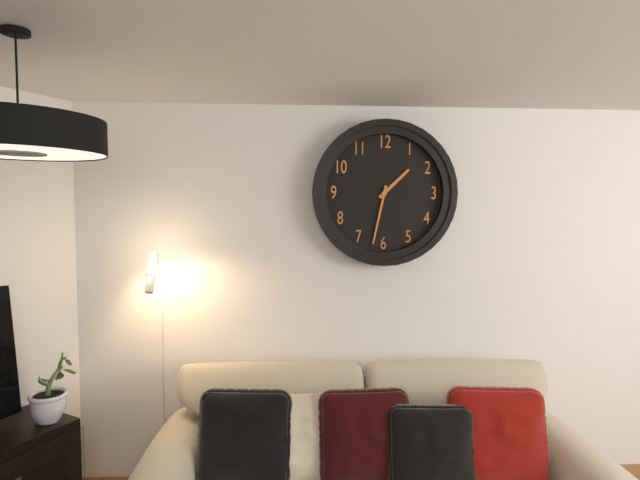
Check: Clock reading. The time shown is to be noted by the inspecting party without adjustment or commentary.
1:32
